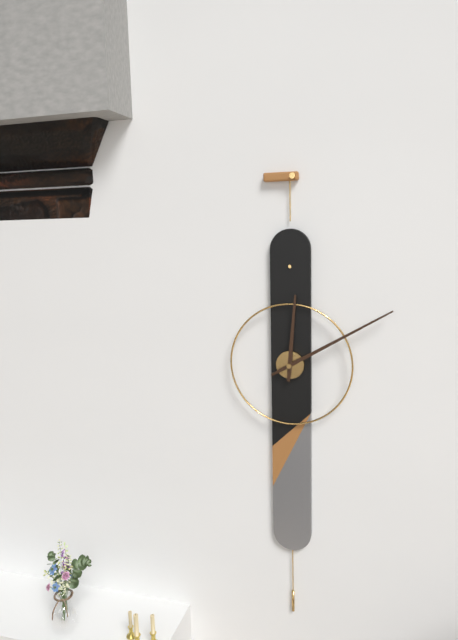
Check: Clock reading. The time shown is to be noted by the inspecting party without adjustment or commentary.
12:10
